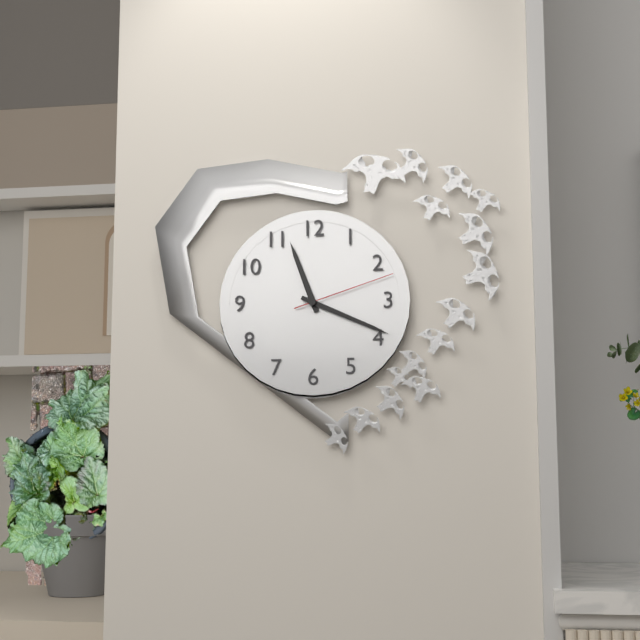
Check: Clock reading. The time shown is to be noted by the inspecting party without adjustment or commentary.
11:19:12
